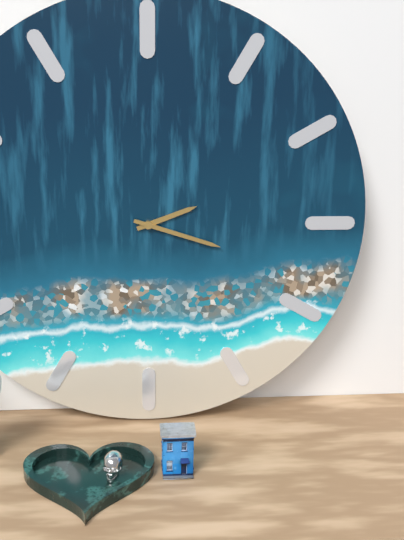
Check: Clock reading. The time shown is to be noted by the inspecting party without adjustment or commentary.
2:18
